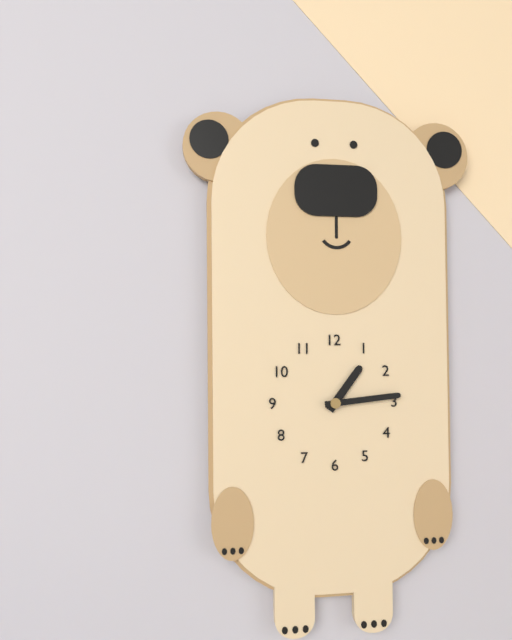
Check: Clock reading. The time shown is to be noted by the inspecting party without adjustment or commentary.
1:14
